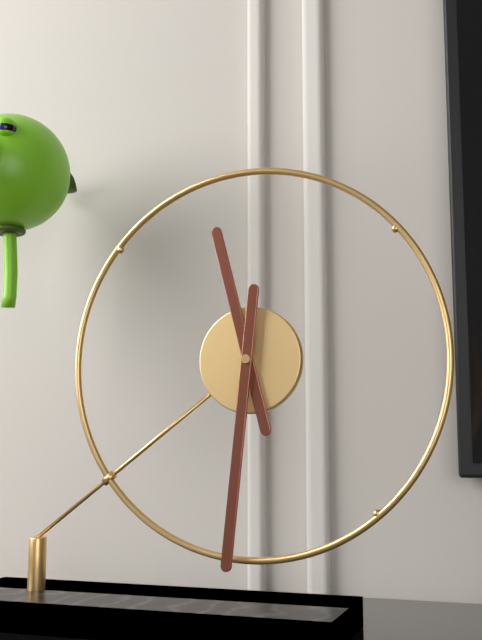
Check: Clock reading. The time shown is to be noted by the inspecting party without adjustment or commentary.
11:31
